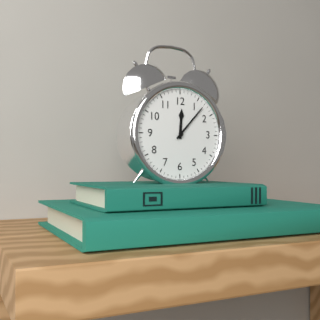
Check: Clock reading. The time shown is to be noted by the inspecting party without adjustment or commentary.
12:07
